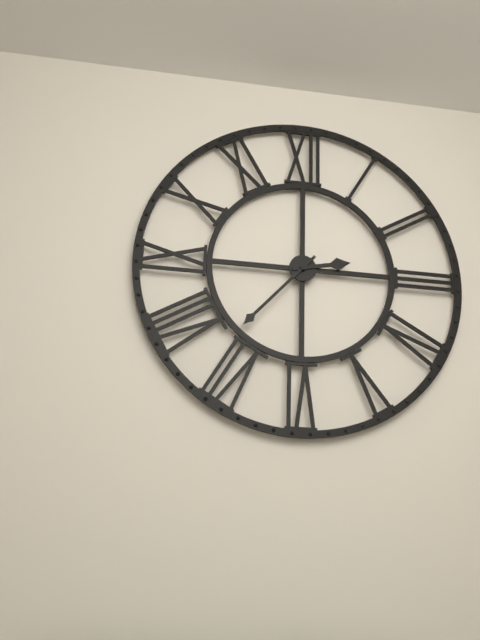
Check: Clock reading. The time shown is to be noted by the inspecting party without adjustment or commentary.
2:37
